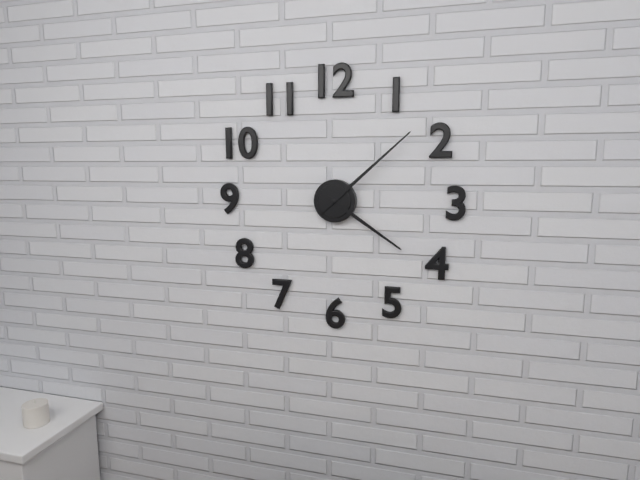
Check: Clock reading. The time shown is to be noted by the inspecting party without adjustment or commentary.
4:08
